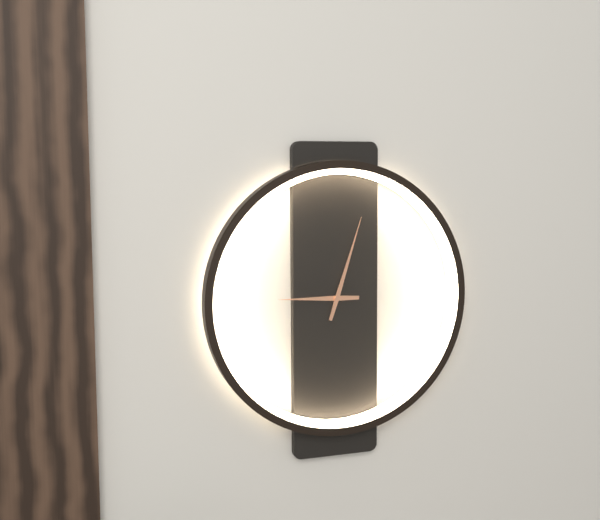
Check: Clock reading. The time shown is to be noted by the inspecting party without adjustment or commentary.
9:03
